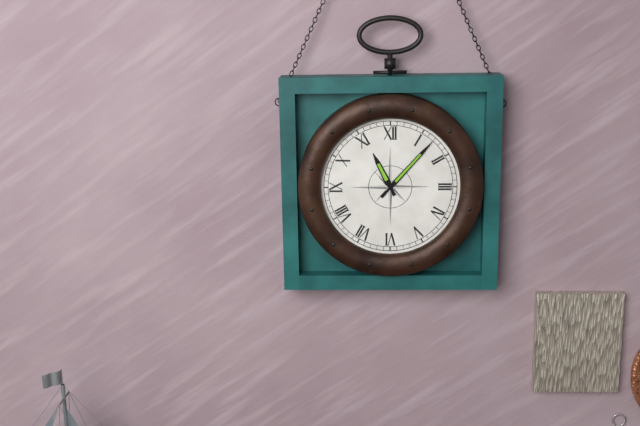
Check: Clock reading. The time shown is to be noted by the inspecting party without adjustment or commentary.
11:07
